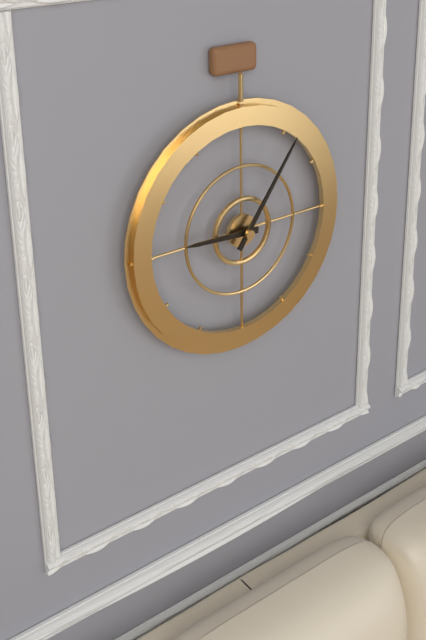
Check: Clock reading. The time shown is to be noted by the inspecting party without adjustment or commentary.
9:06
